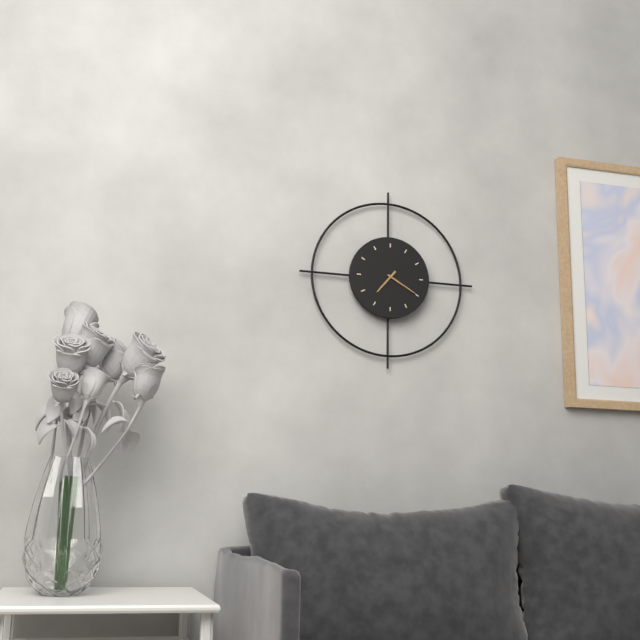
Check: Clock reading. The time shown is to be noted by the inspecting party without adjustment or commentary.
7:20
